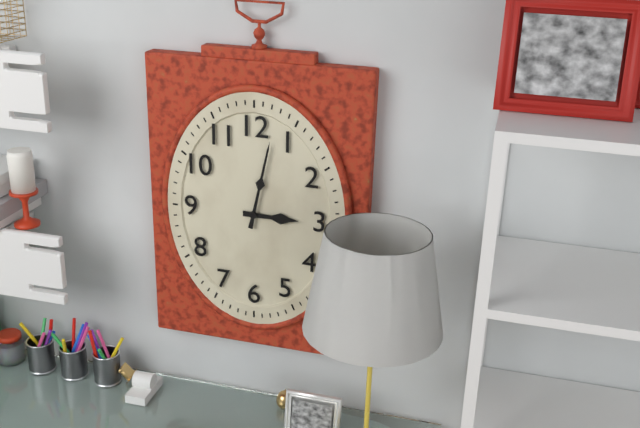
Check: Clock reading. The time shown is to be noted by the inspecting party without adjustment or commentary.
3:02
